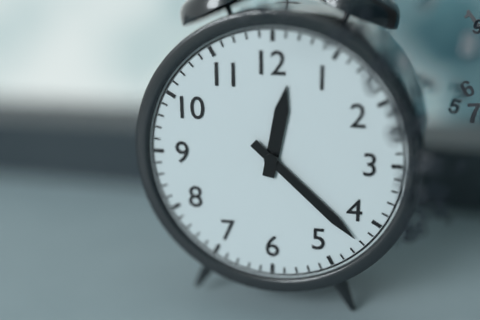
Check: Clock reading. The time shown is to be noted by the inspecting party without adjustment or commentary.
12:22
